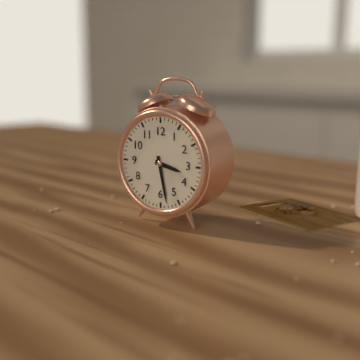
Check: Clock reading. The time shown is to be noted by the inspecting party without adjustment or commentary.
3:28
